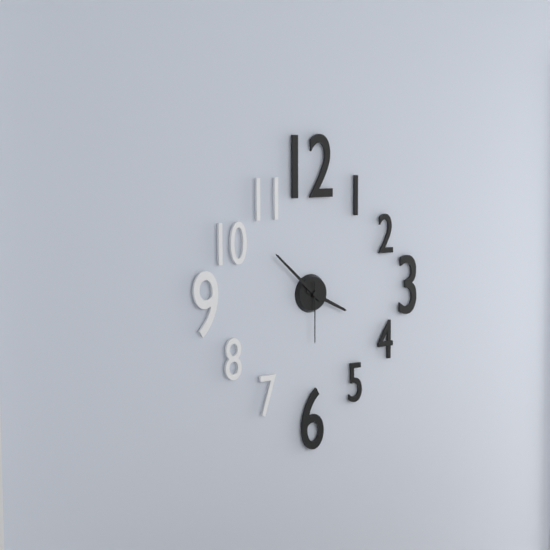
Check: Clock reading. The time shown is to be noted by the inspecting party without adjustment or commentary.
3:52:30
